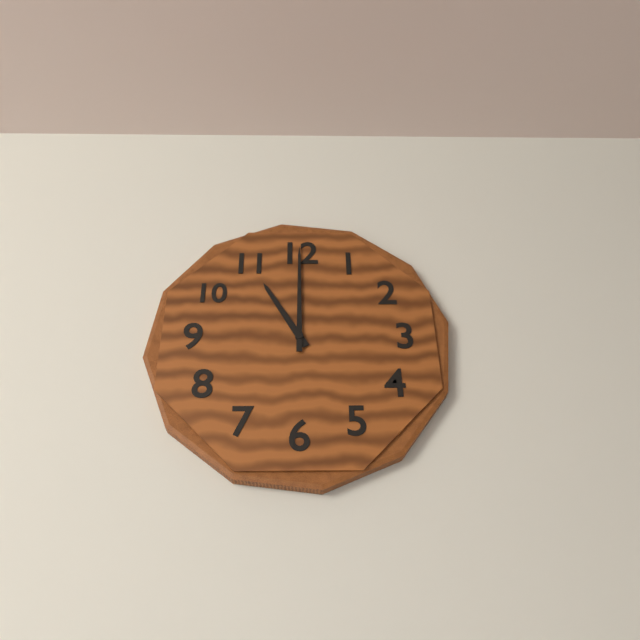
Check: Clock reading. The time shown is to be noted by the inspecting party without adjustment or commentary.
11:00
